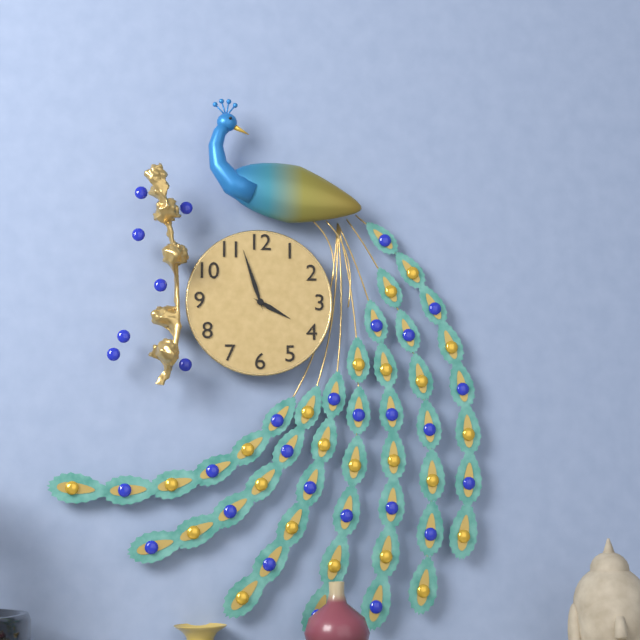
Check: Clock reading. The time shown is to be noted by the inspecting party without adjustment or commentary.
3:57
